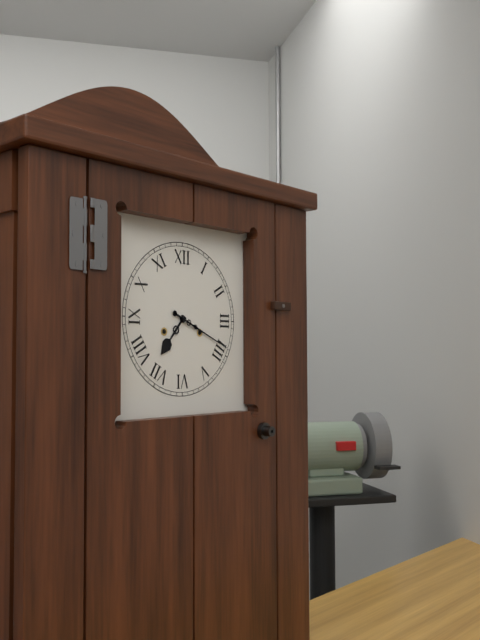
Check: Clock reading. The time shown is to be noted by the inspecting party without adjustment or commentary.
7:19
